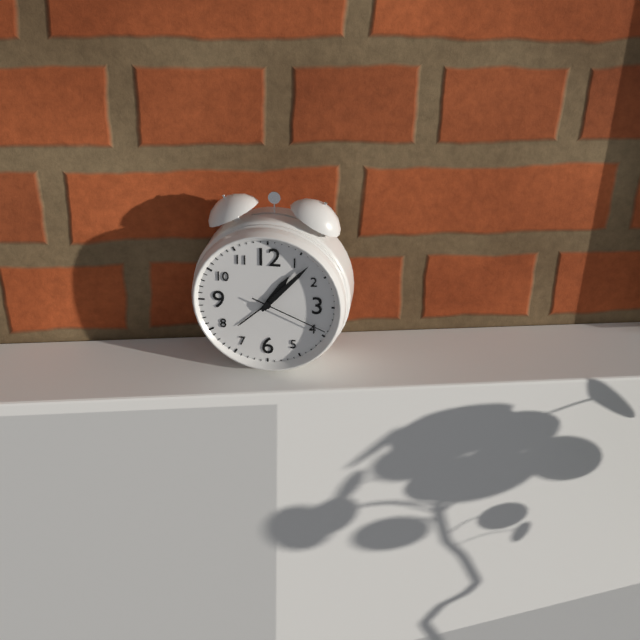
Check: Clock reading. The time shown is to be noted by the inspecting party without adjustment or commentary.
1:07:19
